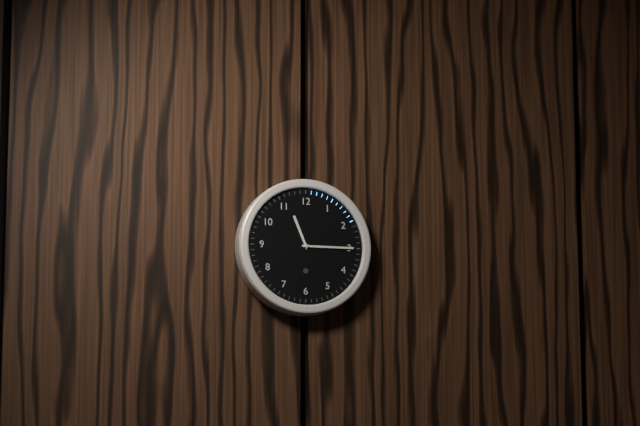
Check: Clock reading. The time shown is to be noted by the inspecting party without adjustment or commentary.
11:15
